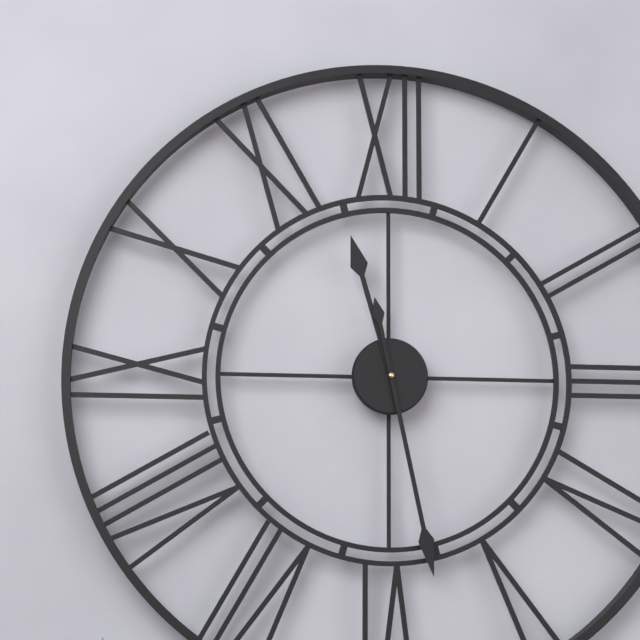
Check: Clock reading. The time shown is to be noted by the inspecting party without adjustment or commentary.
11:28
